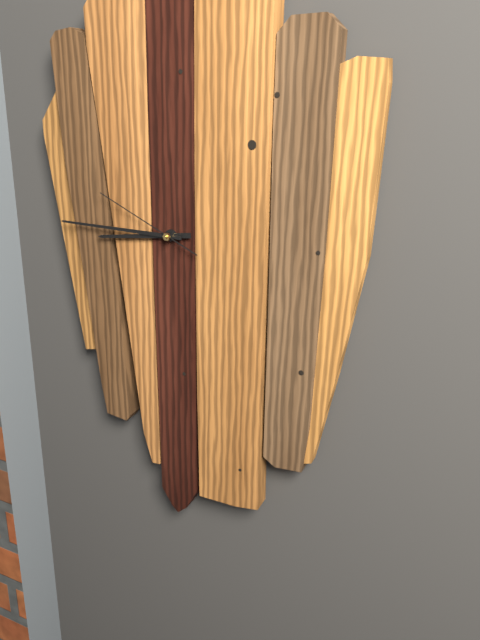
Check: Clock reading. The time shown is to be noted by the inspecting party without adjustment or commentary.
8:45:49
